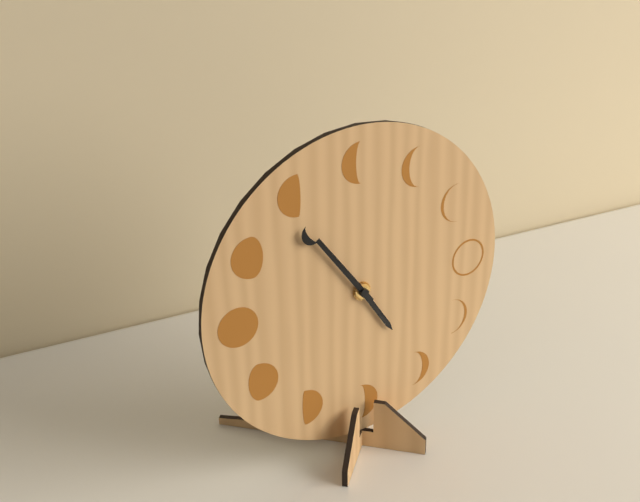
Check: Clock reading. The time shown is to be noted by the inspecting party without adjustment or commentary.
4:54
